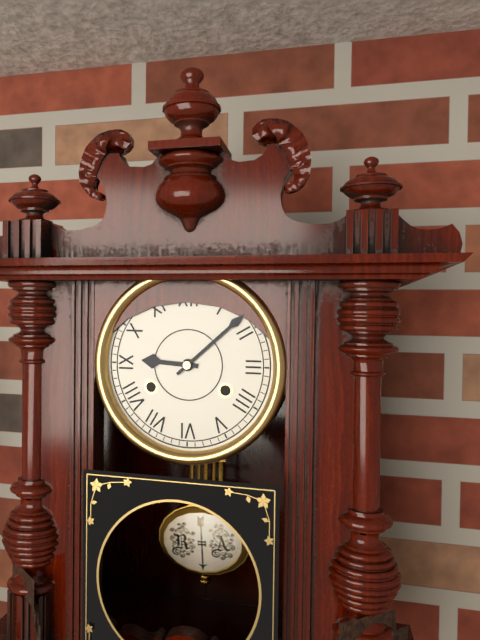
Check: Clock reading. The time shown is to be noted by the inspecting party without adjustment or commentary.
9:08
